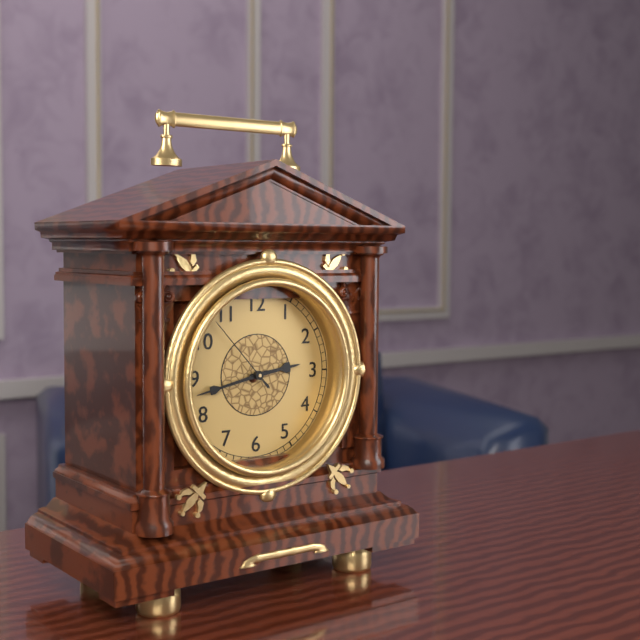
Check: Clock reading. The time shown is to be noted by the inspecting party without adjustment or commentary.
2:43:53
